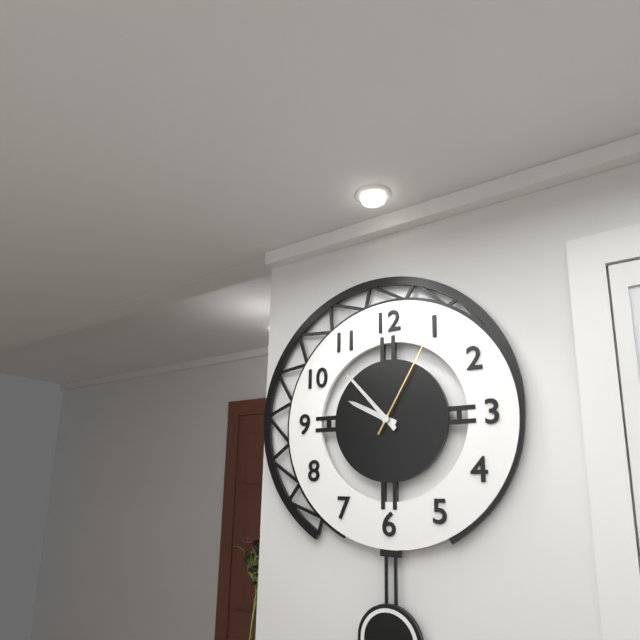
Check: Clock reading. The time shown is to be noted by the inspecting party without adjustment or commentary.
9:53:05
